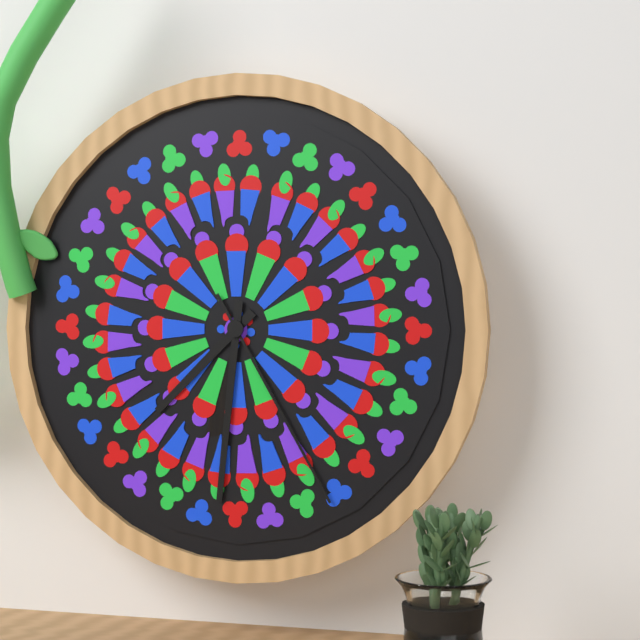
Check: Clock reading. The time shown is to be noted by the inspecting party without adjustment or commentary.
7:31:25
